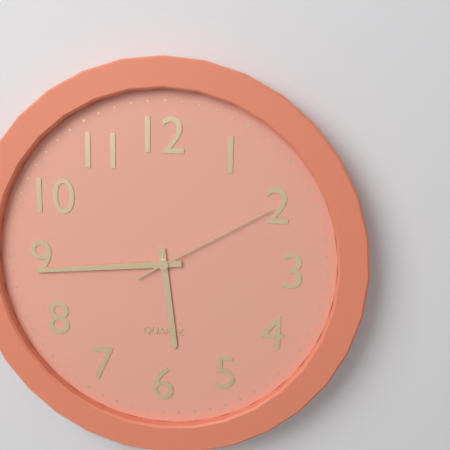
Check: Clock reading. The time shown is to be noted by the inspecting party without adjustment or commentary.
5:44:10
